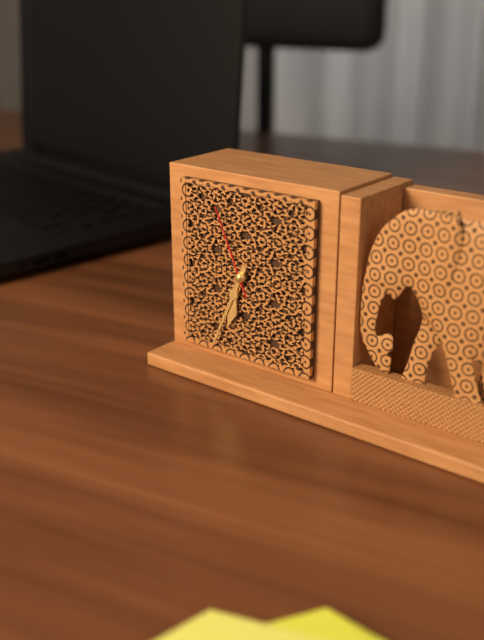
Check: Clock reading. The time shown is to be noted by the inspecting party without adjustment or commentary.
6:34:56
